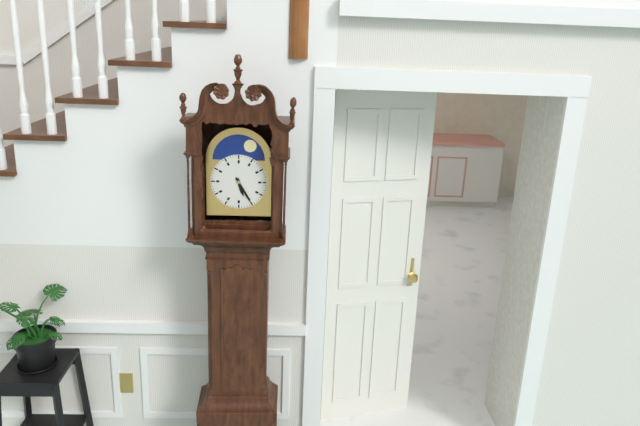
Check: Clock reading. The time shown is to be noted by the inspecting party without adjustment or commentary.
5:25
